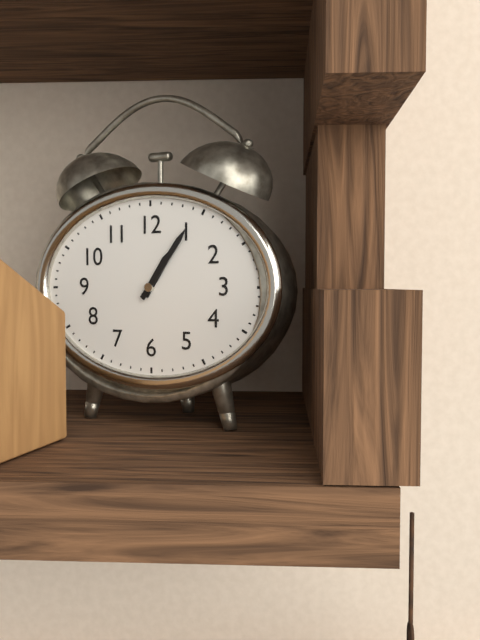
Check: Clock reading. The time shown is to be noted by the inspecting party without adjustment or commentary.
1:06
